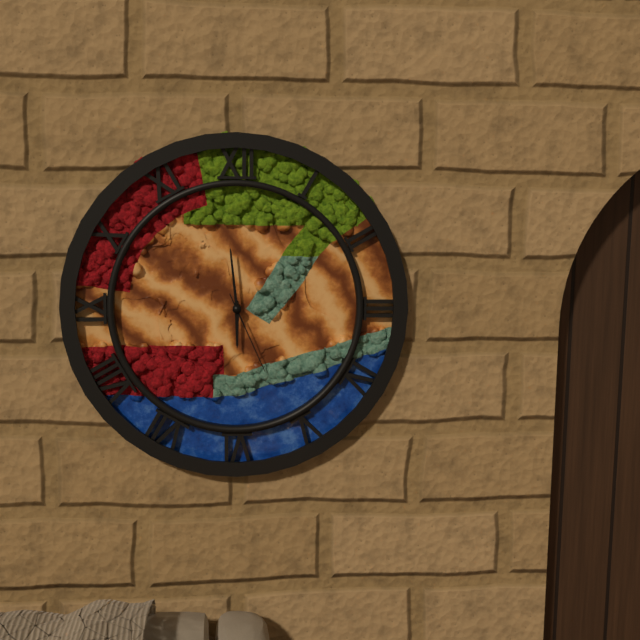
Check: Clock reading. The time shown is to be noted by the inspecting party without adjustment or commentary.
5:59:26
